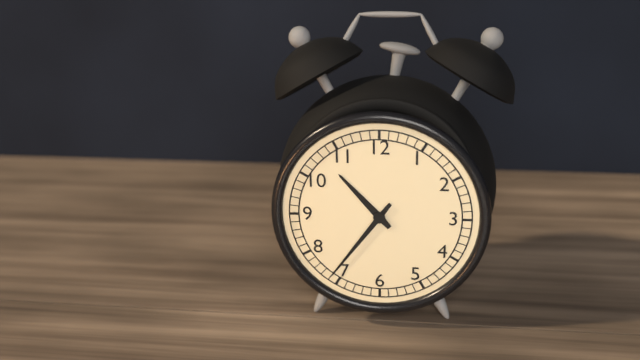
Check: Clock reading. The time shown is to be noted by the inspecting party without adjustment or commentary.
10:36
